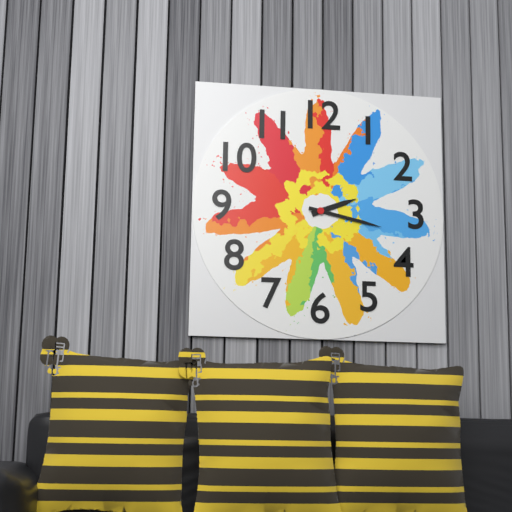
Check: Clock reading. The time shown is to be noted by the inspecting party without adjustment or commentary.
2:17
